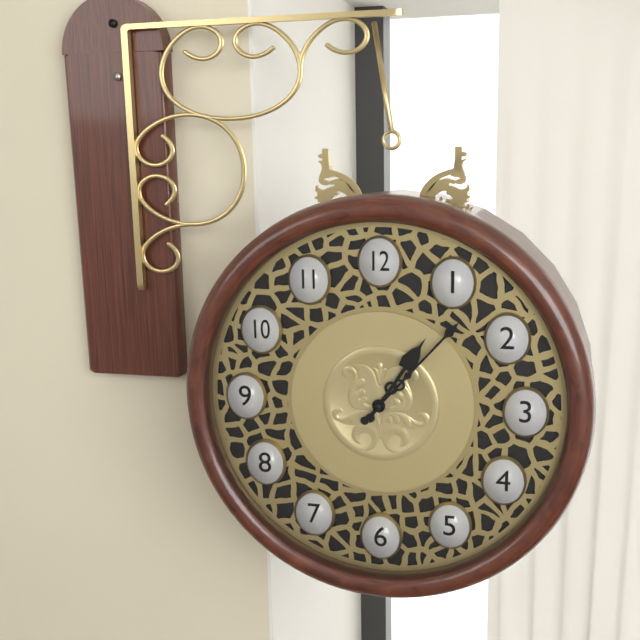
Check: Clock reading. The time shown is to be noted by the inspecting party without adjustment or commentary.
1:07
